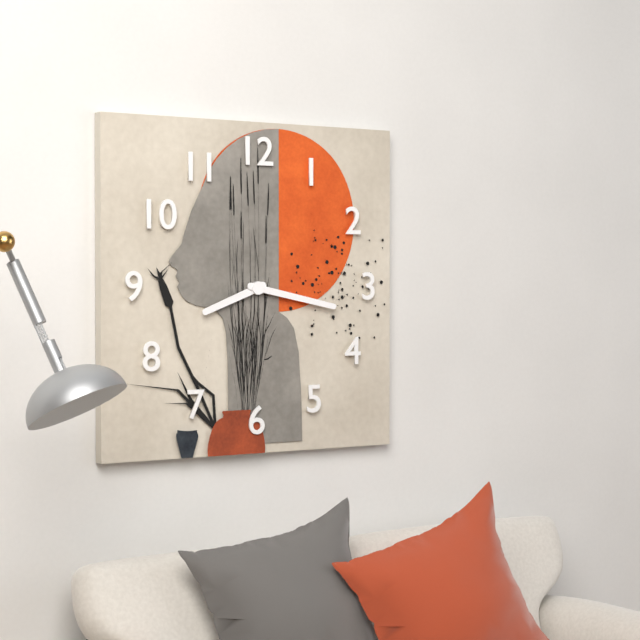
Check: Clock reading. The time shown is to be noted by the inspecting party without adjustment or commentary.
8:17
